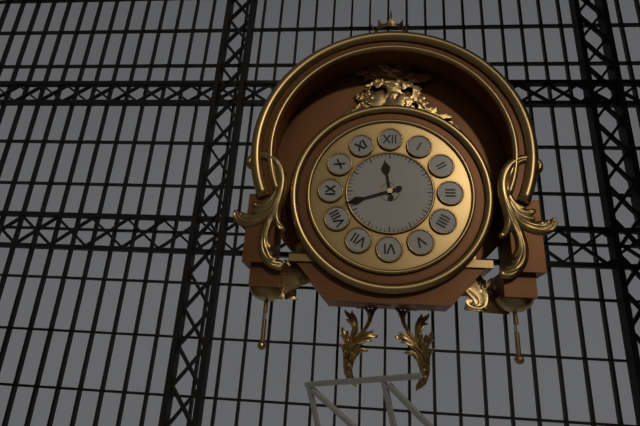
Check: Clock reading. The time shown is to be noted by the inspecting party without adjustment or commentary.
11:42
